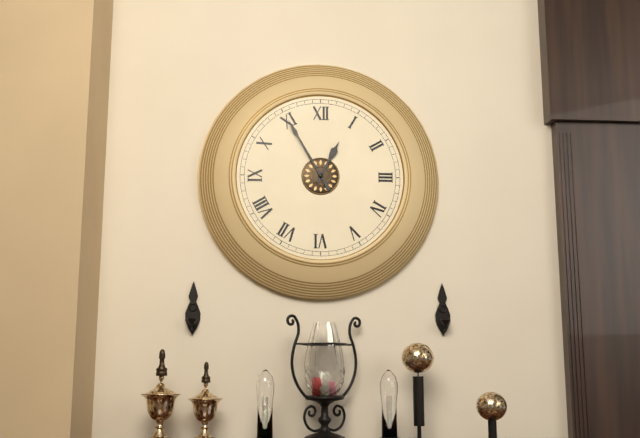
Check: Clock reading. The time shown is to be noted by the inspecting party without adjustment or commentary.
12:55
